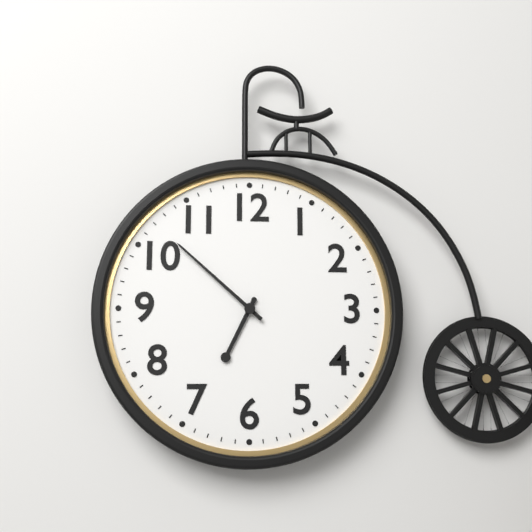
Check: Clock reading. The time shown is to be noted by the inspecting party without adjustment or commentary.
6:52
